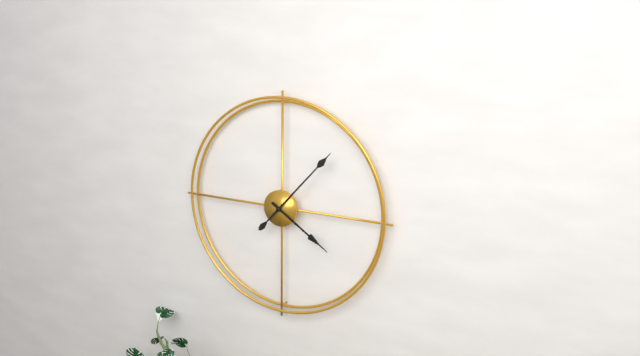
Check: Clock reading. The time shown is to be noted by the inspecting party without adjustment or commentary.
4:07
